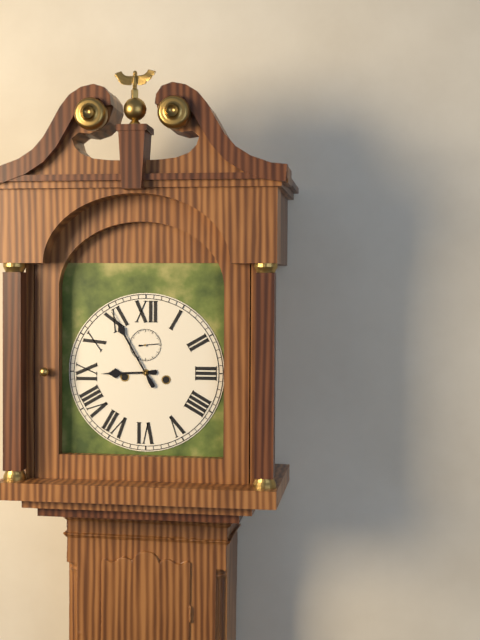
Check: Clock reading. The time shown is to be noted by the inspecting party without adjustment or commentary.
8:55
